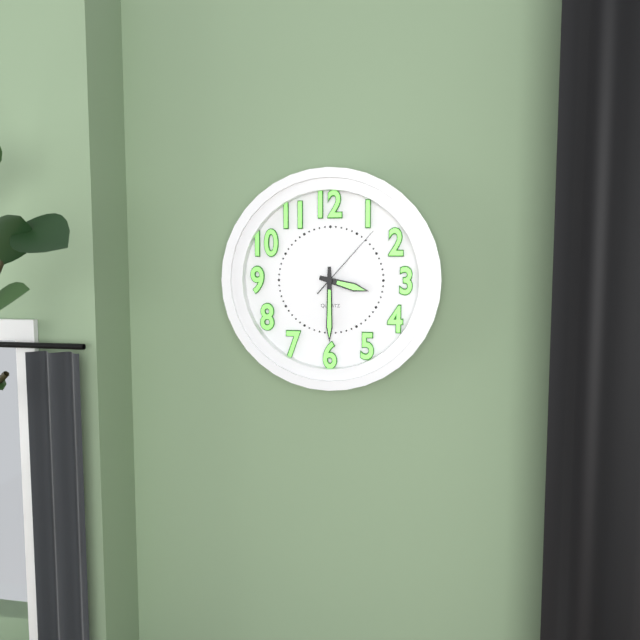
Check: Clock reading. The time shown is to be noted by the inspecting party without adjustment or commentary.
3:30:07
